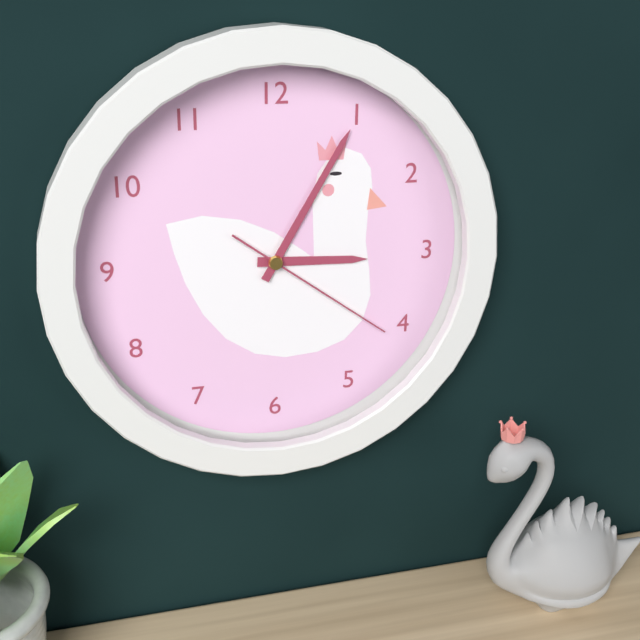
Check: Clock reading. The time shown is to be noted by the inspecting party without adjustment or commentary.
3:05:21
